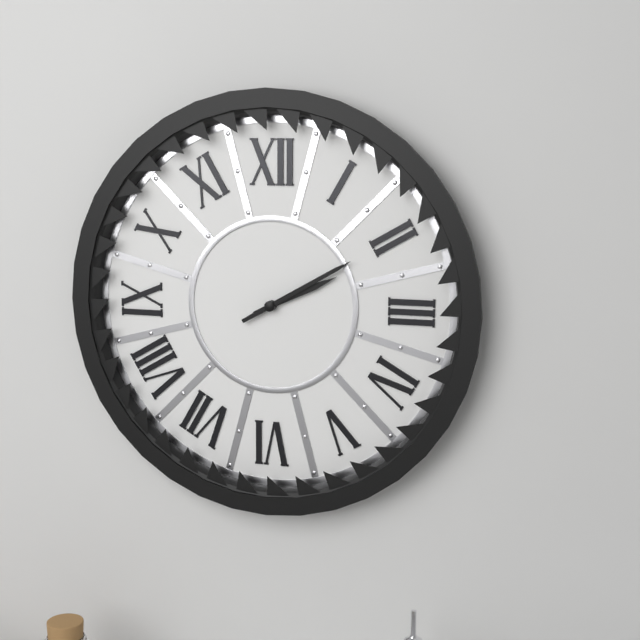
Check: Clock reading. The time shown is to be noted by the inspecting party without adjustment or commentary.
2:10
